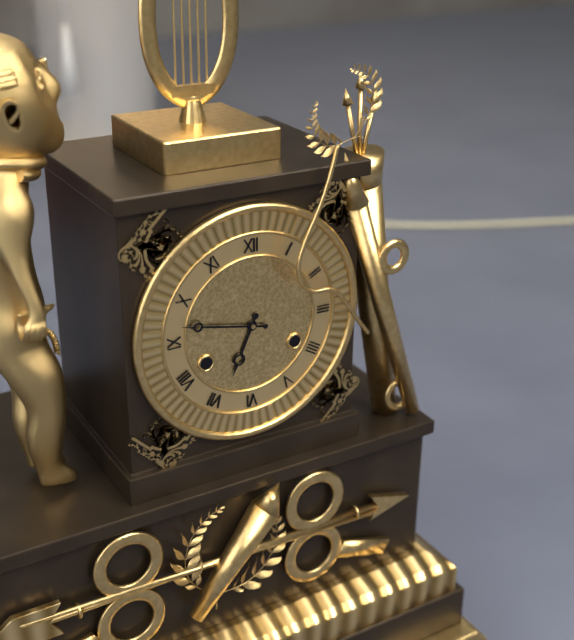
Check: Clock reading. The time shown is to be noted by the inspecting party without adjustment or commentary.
6:47
